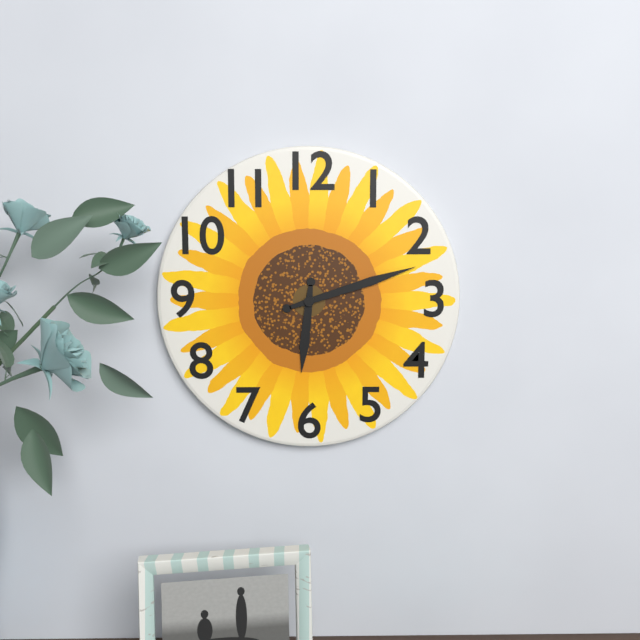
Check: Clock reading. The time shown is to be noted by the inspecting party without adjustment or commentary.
6:12
